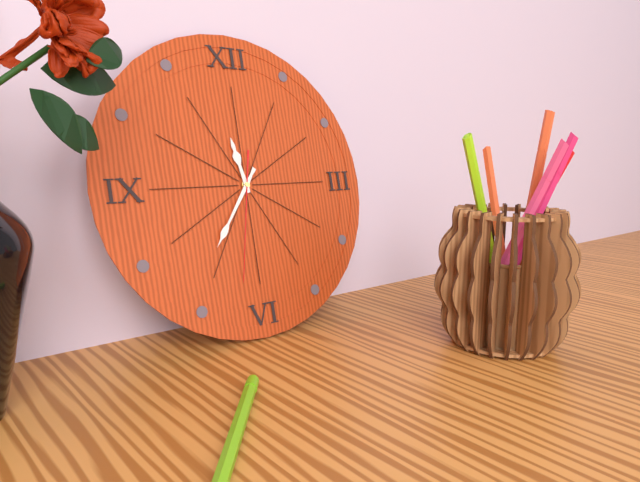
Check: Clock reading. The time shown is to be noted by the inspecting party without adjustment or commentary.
11:36:32
